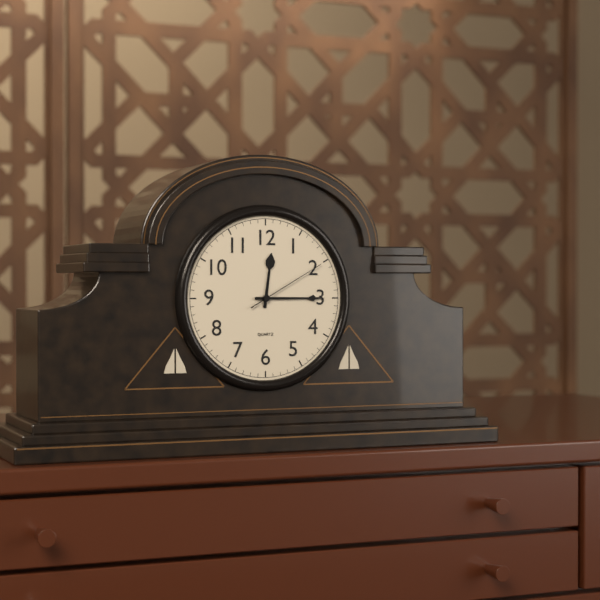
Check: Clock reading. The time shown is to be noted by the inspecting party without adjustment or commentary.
12:15:10
